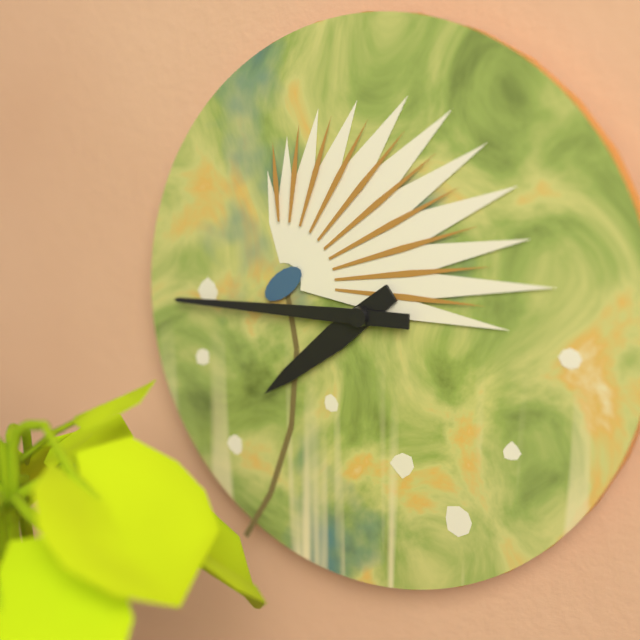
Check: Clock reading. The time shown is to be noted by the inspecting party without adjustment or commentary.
7:45
